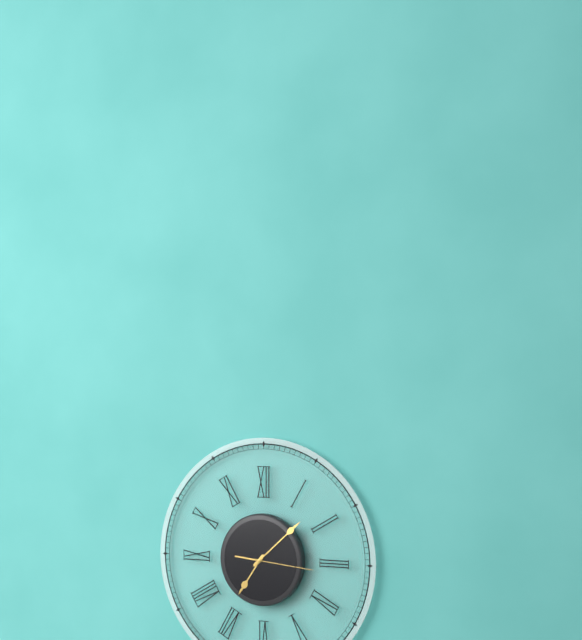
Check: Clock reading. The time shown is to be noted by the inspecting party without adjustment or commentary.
7:08:16
